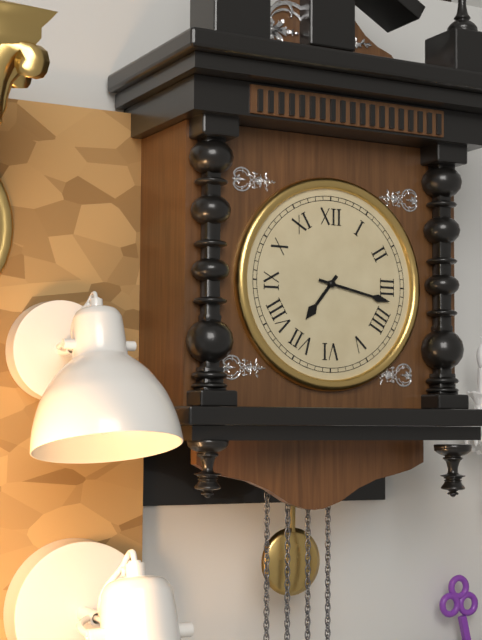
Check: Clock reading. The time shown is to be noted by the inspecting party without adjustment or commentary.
7:17
